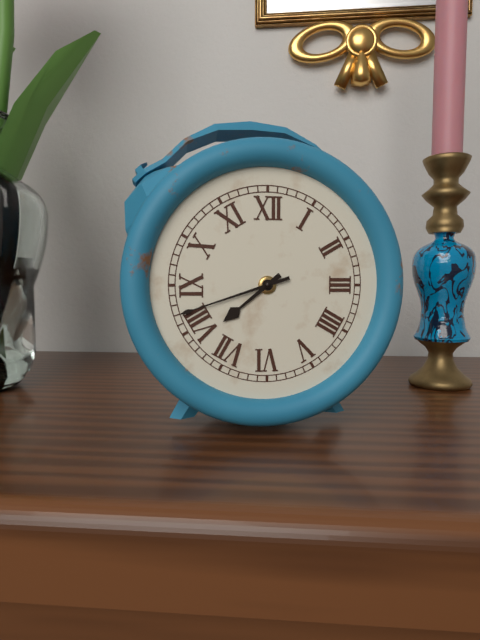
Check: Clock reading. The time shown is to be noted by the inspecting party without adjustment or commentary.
7:42
